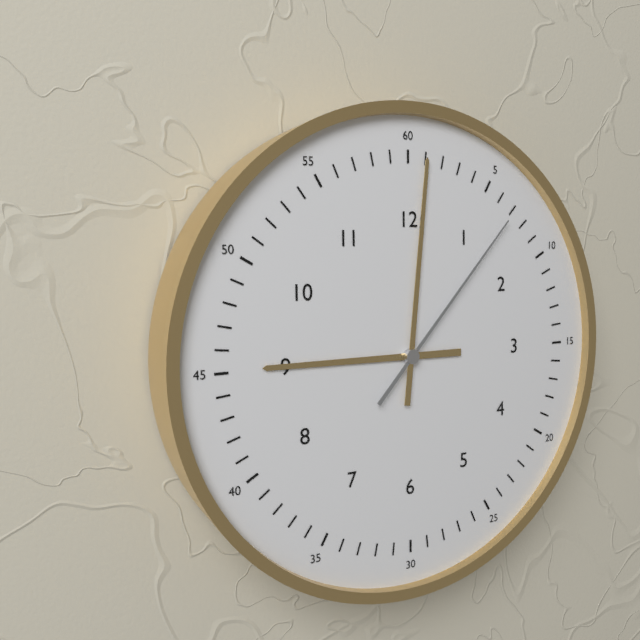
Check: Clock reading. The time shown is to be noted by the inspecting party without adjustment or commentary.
9:01:07
